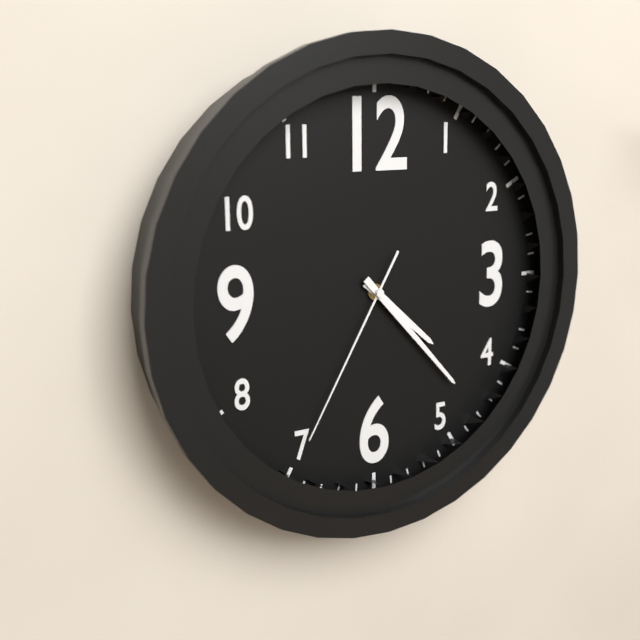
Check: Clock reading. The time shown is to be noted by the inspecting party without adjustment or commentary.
4:23:35
